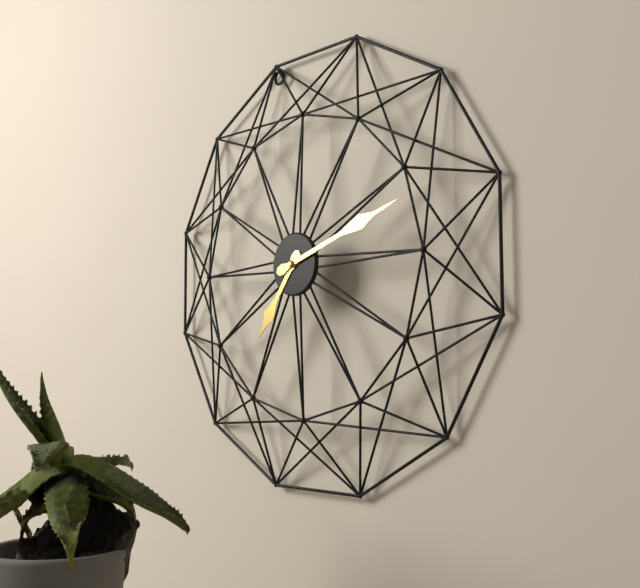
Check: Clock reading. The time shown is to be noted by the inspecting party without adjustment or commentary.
7:12
